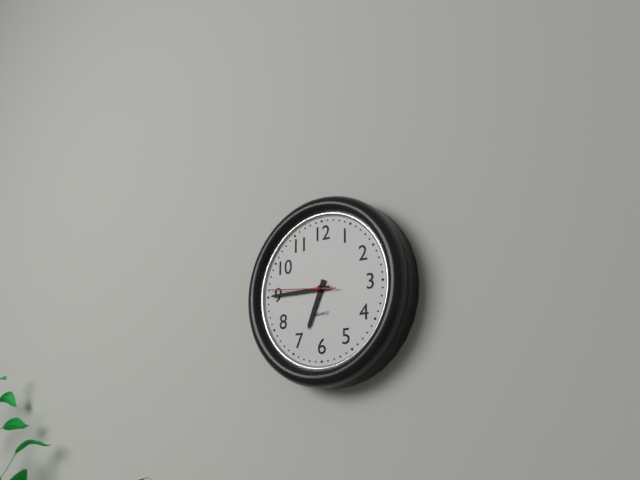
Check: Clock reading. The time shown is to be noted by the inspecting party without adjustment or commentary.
6:45:46
